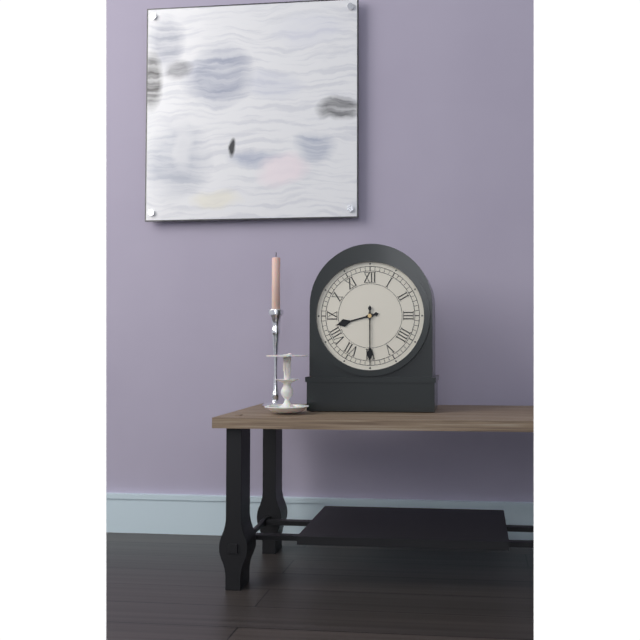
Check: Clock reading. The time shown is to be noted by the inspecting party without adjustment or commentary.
8:30
